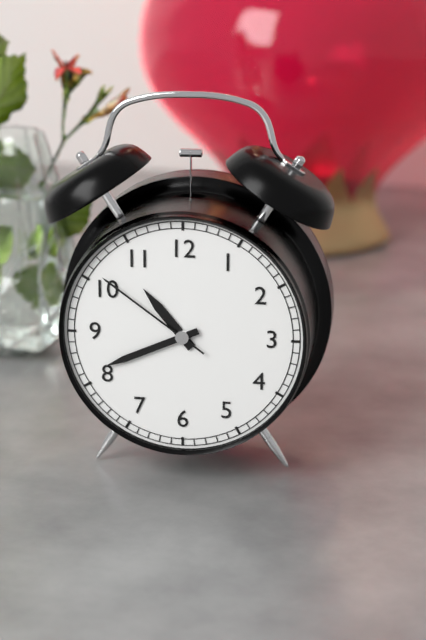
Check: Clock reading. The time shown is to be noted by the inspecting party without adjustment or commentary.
10:41:51
